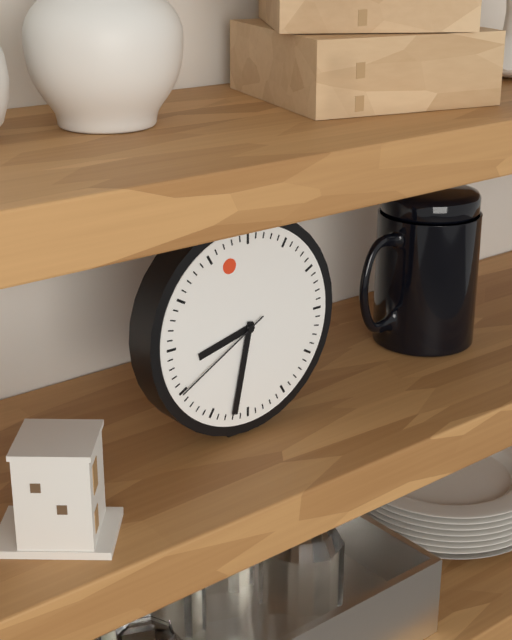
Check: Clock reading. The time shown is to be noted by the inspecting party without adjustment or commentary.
8:32:40
